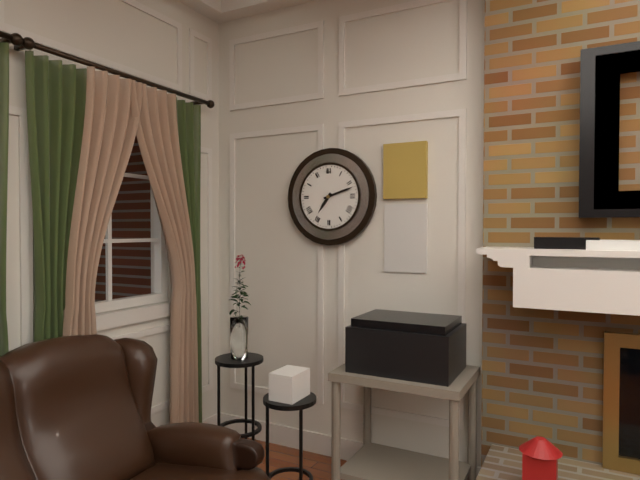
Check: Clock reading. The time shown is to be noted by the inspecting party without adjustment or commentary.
7:12
